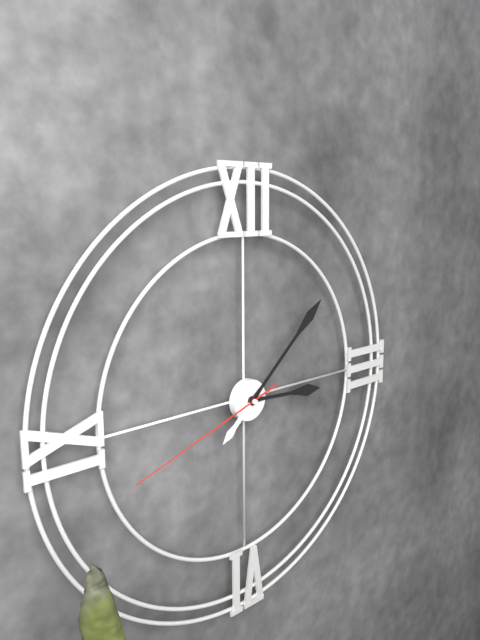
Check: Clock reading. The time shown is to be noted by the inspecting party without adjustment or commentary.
3:08:42
